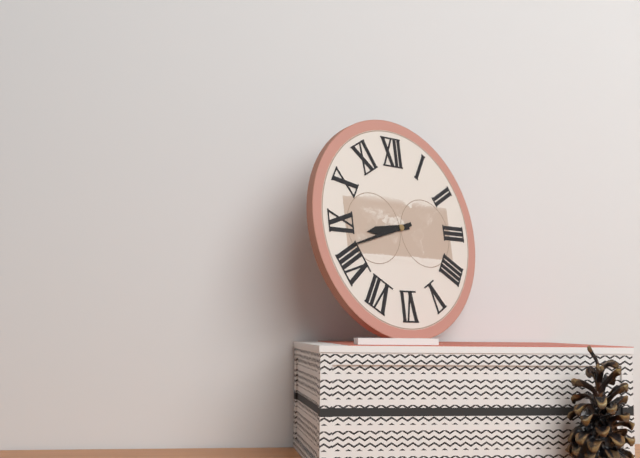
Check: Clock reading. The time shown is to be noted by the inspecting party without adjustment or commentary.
8:42
